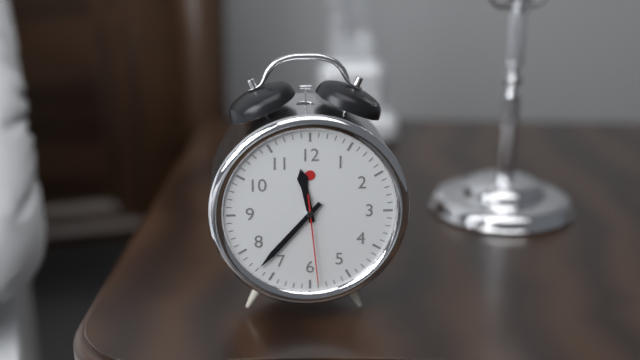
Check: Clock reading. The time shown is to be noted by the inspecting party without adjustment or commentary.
11:37:29
